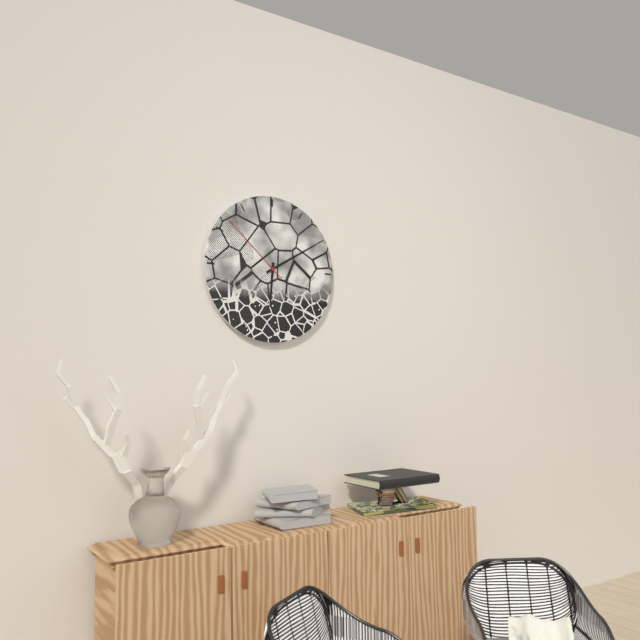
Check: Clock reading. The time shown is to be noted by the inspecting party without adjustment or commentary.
6:10:52
